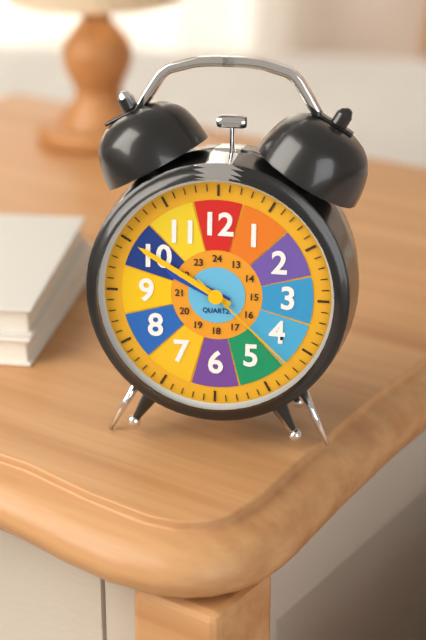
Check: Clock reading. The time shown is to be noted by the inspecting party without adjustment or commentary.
9:50:22
